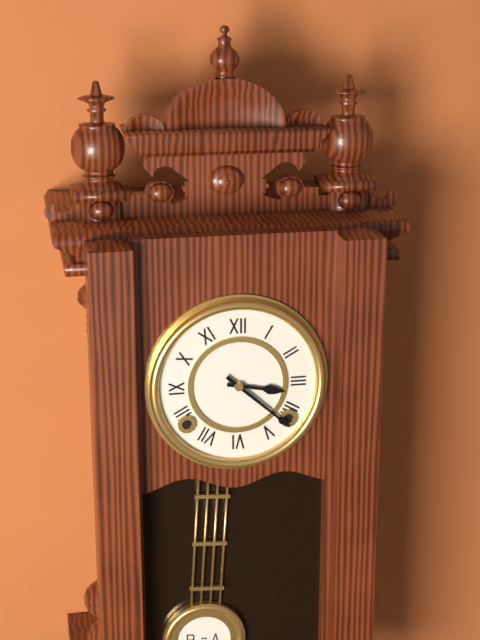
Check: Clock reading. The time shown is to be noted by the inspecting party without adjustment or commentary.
3:22
